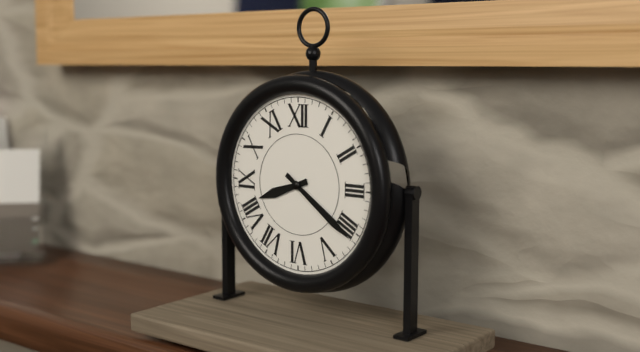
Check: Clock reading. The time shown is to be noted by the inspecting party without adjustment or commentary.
8:21
